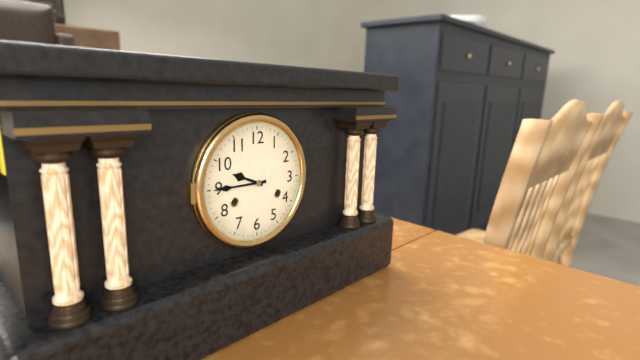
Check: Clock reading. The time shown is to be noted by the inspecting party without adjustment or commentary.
9:45
